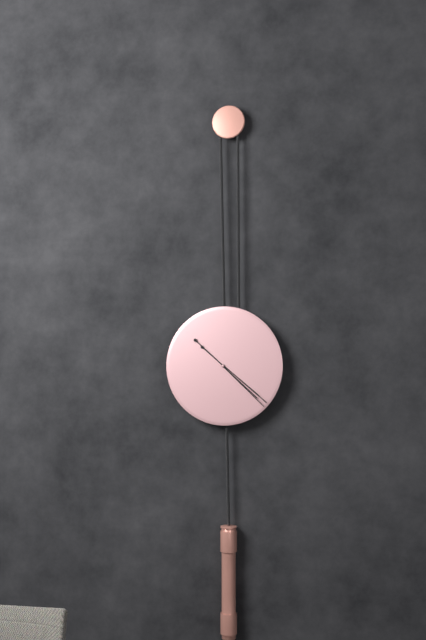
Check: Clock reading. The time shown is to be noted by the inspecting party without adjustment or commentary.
4:22
